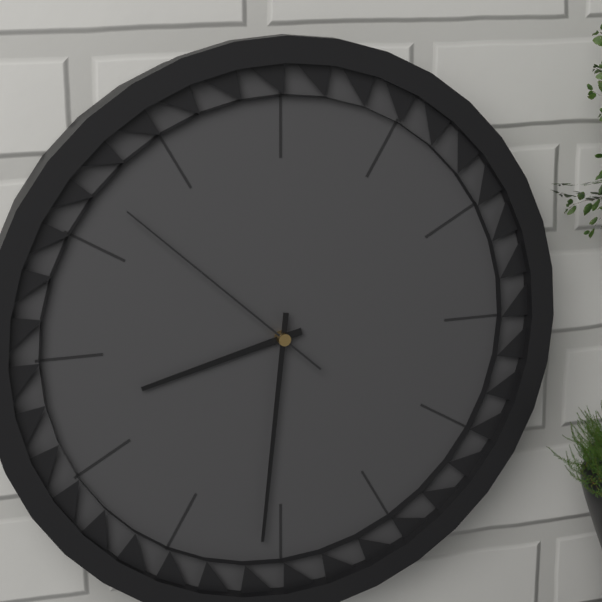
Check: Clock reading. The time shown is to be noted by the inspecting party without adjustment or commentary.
8:31:52
